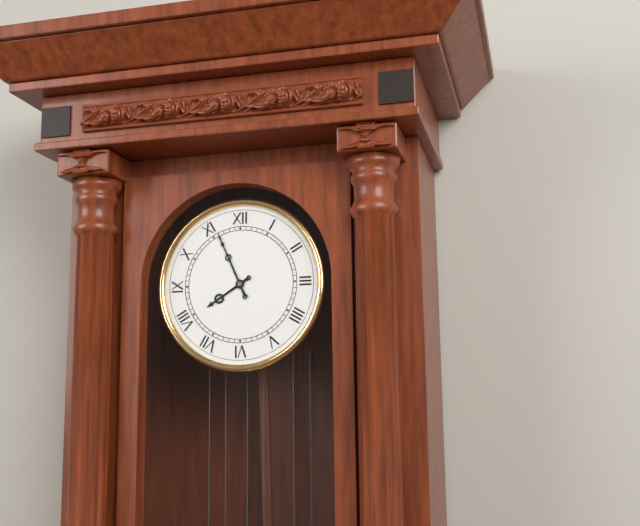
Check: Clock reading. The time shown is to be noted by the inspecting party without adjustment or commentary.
7:56
